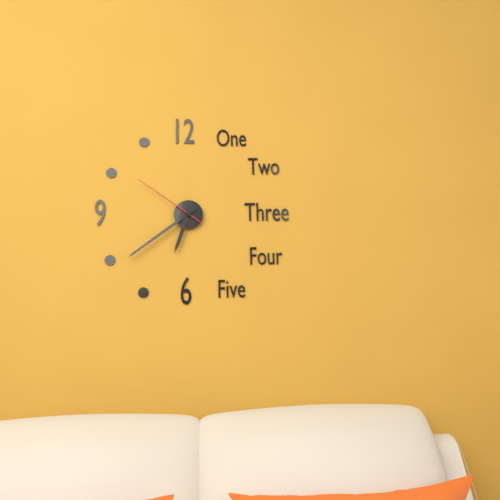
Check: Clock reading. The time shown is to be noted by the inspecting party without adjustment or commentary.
6:39:51
